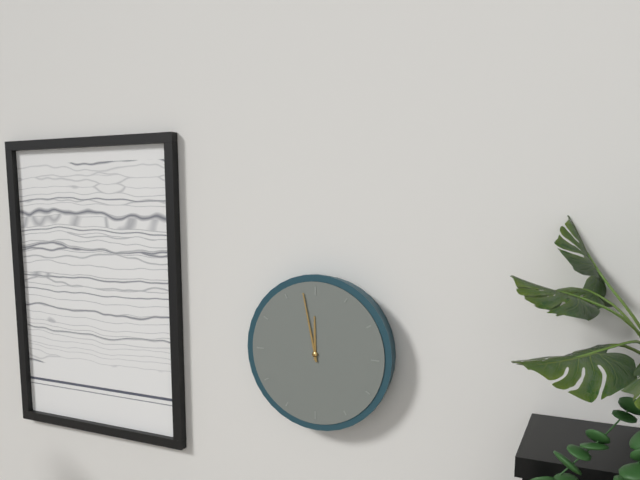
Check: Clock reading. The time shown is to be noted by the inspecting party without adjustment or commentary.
11:58
